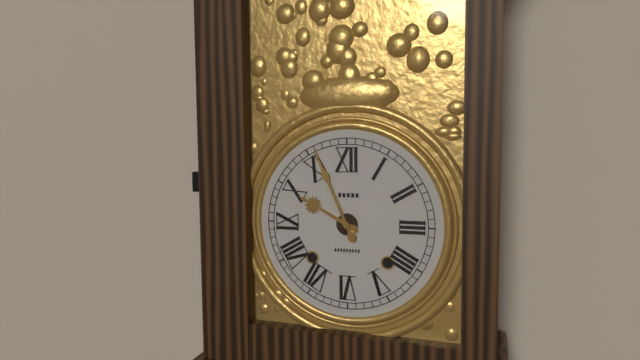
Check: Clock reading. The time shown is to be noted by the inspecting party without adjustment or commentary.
9:56
